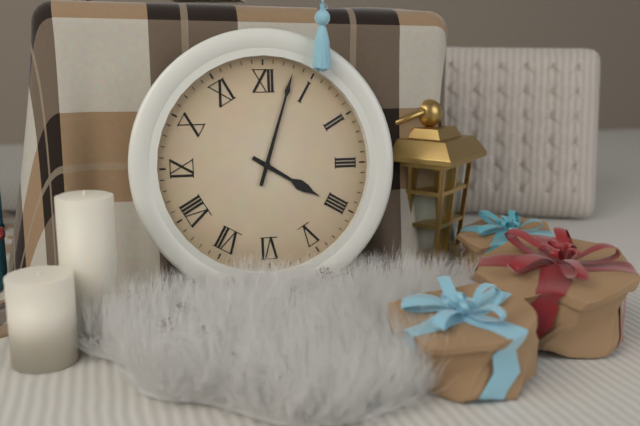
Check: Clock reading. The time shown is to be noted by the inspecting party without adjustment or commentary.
4:03
